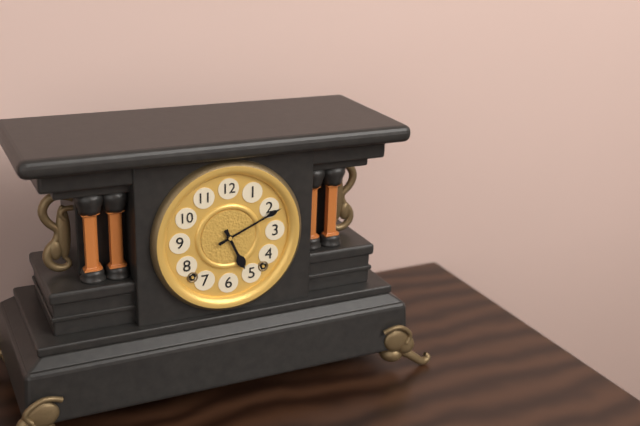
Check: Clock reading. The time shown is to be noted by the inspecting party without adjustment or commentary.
5:11
